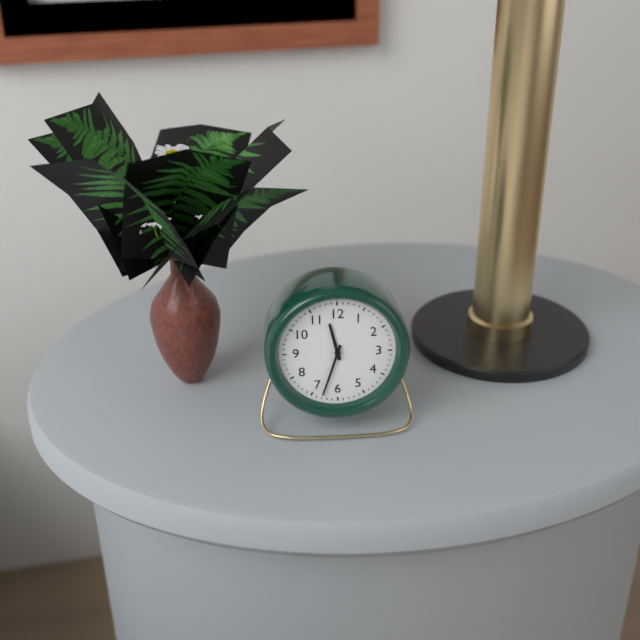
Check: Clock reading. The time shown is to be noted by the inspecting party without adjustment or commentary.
11:33
